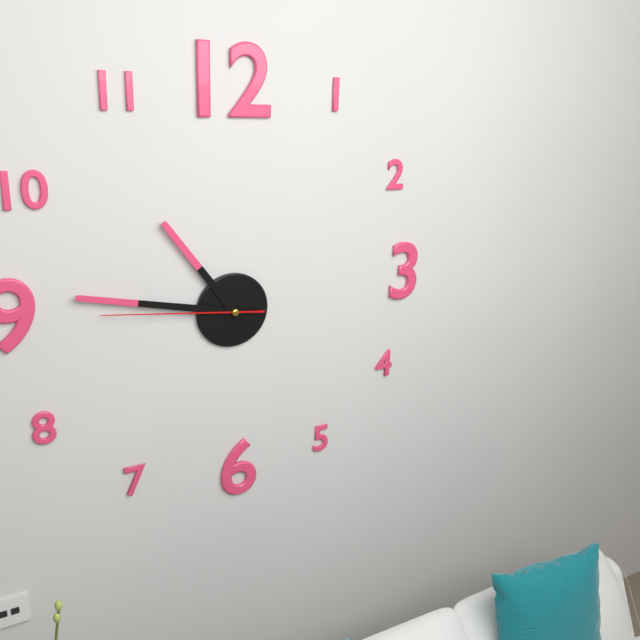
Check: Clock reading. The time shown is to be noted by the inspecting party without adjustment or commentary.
10:47:46
